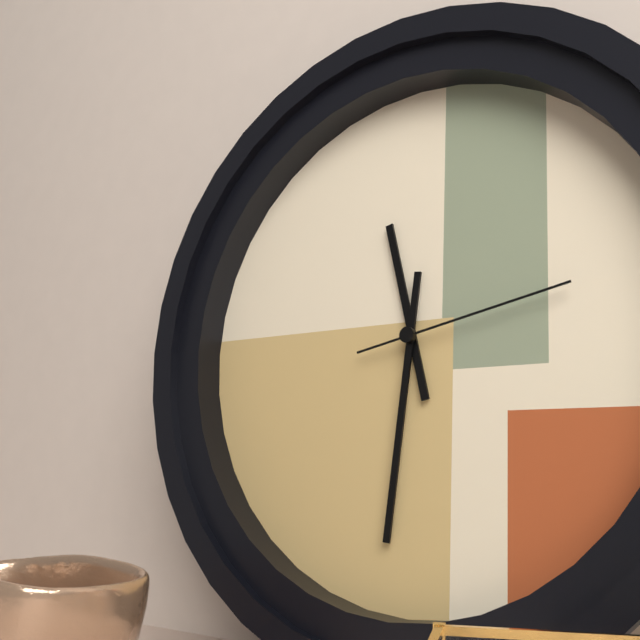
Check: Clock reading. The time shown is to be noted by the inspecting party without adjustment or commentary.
11:31:13
